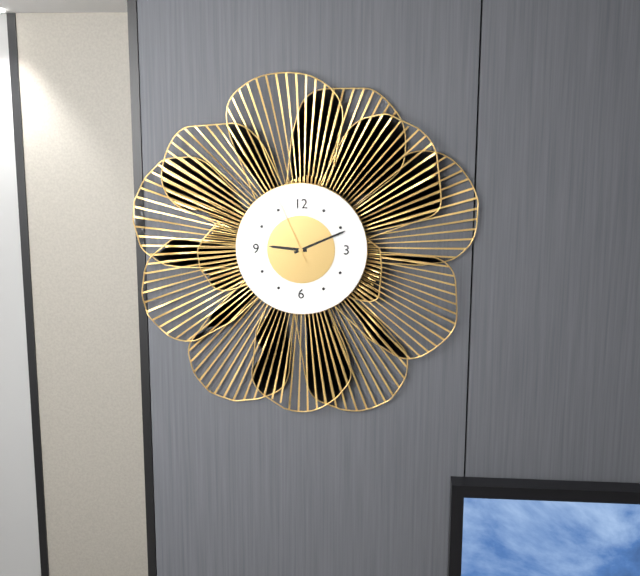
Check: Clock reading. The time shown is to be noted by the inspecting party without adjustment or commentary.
9:11:56
